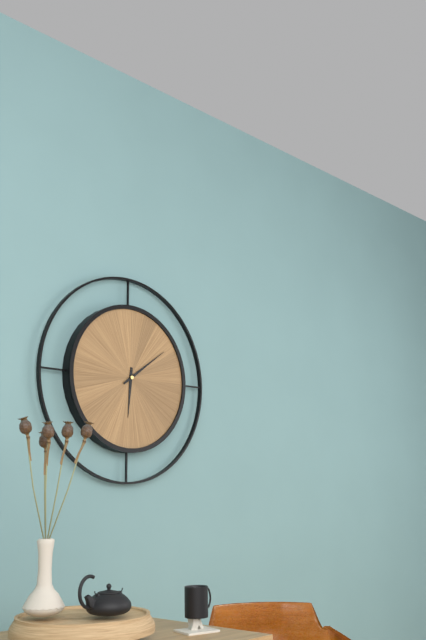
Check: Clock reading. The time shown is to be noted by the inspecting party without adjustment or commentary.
6:09
